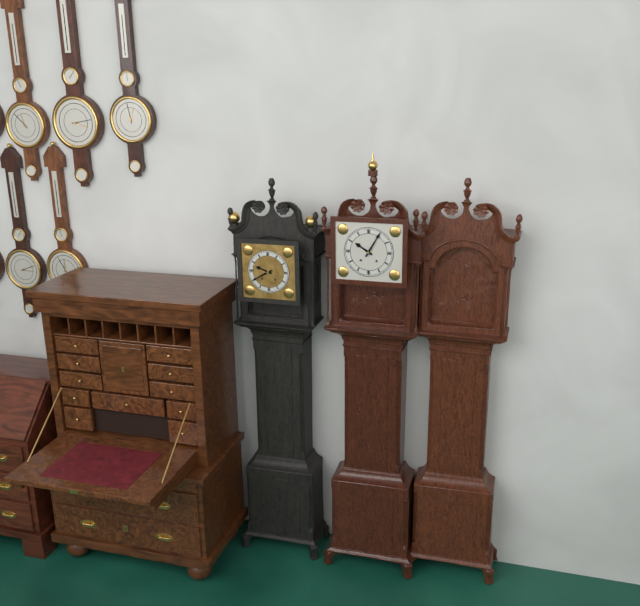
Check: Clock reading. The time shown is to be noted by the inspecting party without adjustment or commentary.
10:05
